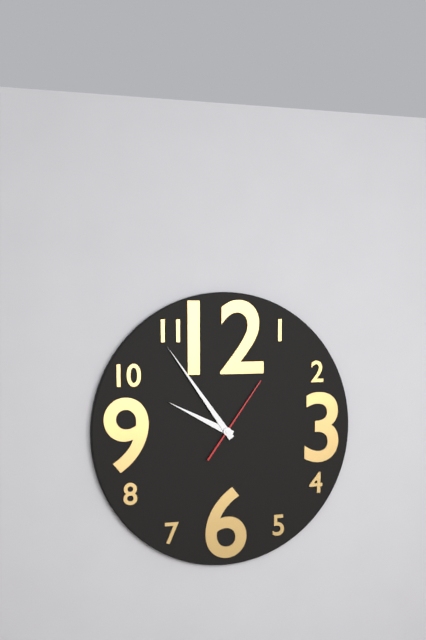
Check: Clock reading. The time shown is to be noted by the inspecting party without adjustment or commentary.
9:54:06
